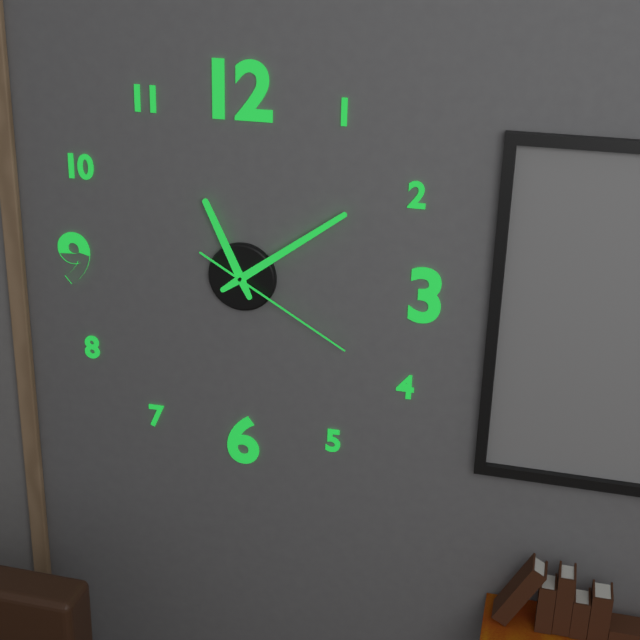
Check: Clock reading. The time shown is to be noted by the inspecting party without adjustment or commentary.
11:09:20
